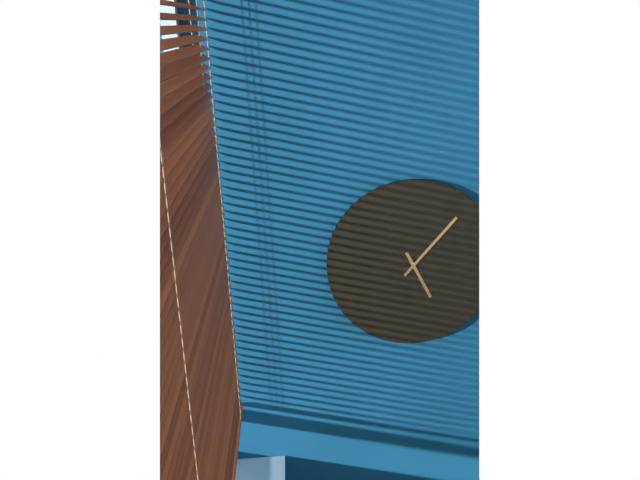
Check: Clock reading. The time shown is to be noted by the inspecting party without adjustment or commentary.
5:07
